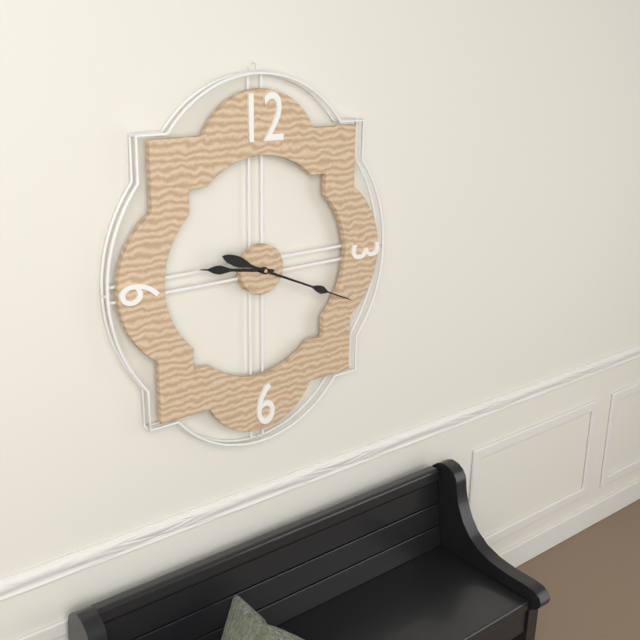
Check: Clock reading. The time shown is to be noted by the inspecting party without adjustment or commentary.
9:19
